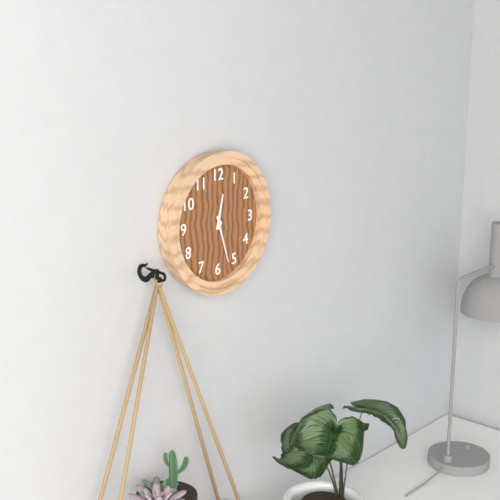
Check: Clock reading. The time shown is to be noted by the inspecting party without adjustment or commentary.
12:27
